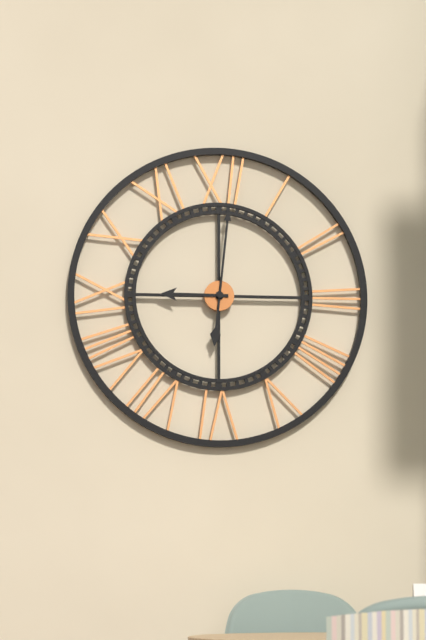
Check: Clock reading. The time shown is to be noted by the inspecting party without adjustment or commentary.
9:01
